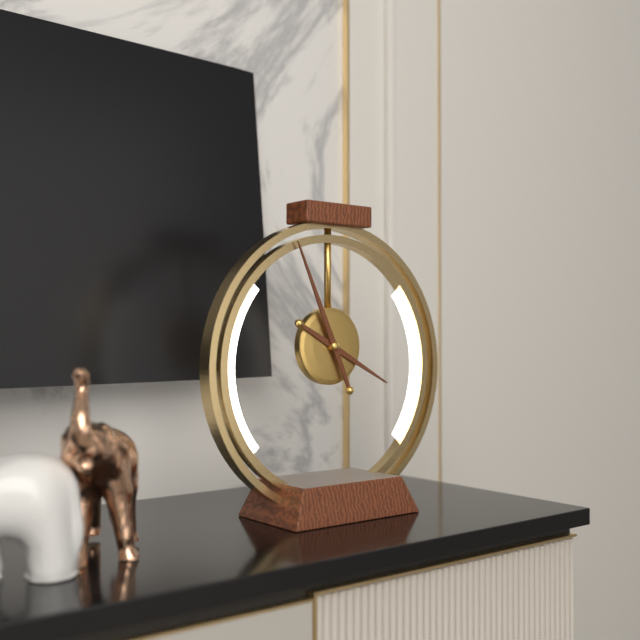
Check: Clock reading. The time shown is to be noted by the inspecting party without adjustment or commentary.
3:56
